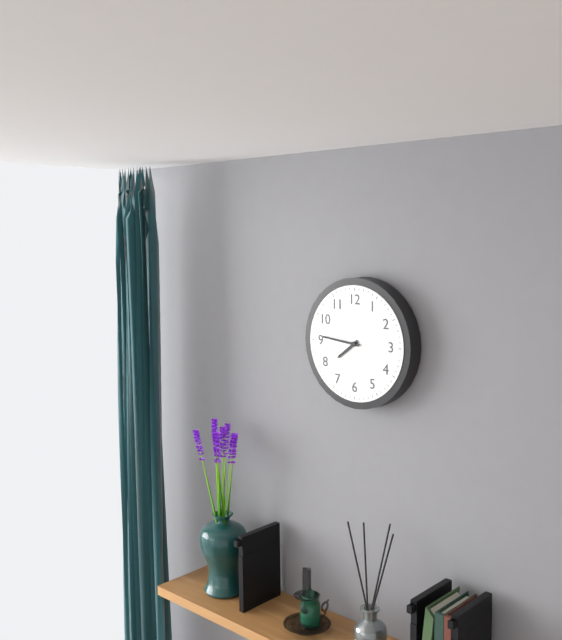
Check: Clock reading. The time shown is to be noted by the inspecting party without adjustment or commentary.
7:46
